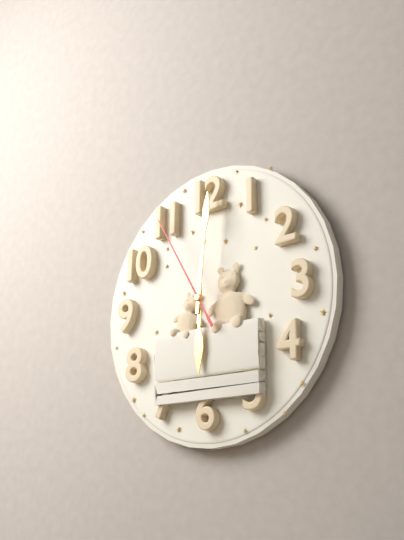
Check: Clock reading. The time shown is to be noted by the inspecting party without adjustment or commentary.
6:01:55
